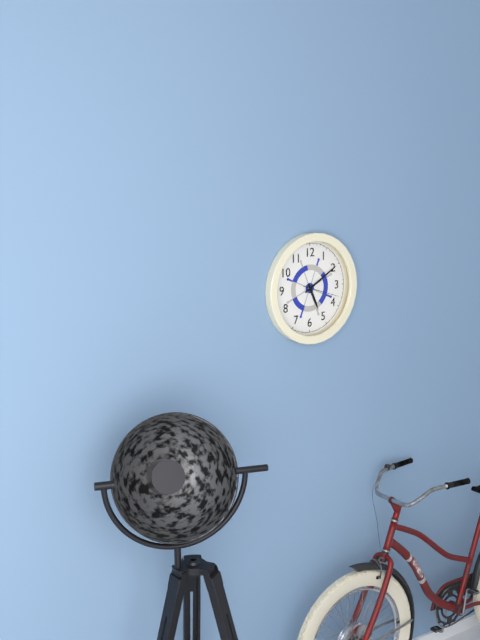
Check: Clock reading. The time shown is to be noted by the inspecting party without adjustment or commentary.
5:10
